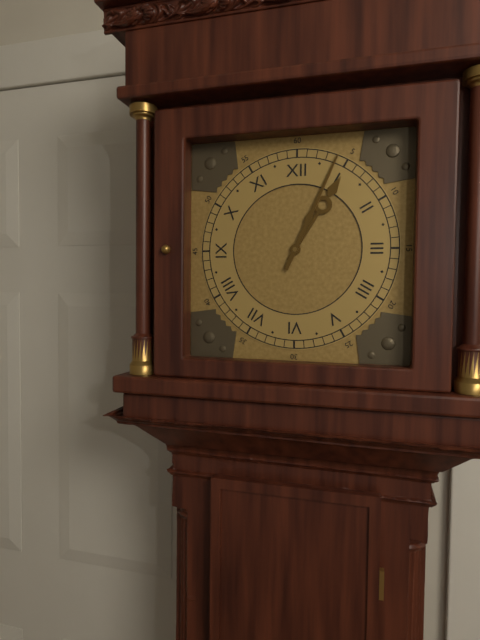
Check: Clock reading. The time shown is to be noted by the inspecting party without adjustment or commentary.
1:04
